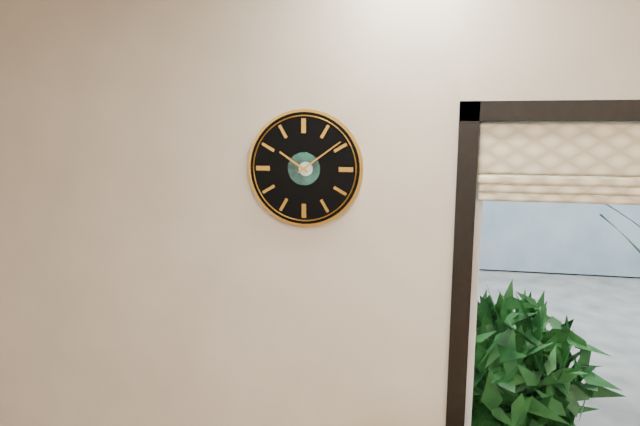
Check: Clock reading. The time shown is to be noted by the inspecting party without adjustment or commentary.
10:09
